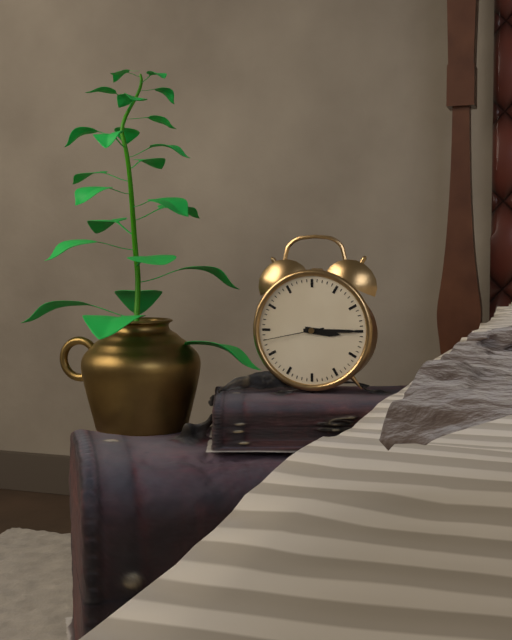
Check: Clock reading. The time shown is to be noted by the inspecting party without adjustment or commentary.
3:15:43
